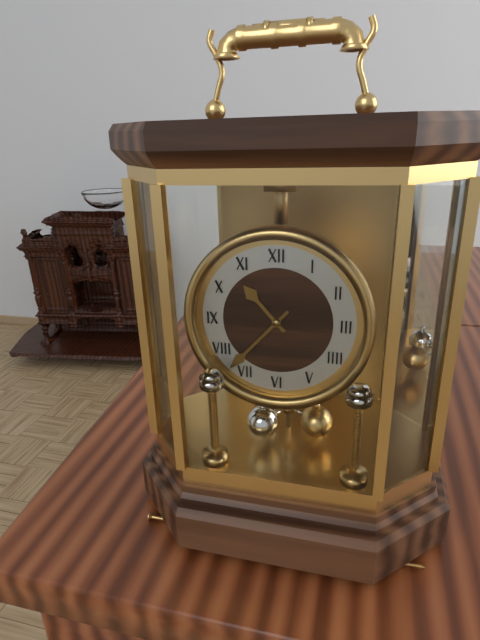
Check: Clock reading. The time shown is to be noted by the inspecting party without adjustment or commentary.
10:37
